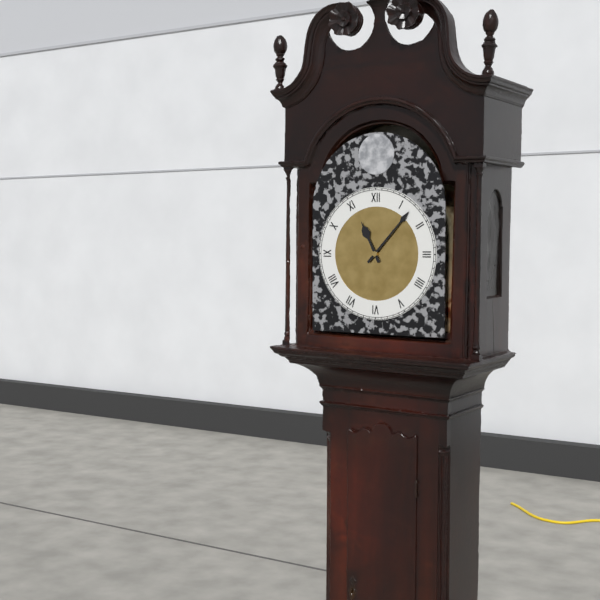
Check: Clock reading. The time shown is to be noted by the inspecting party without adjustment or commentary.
11:07
